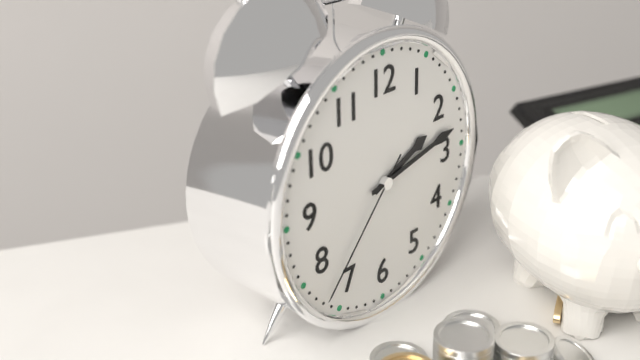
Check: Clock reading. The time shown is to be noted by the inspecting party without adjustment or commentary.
2:13:37
